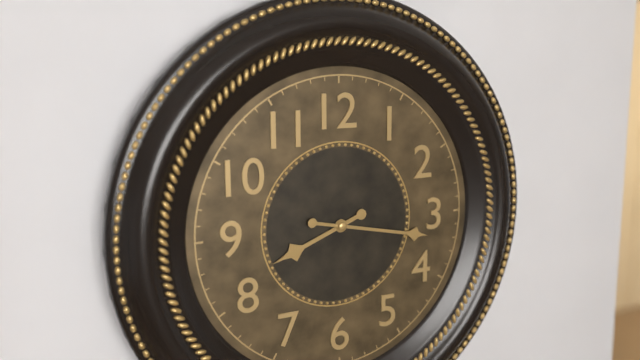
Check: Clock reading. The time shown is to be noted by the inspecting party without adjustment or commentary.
8:17
